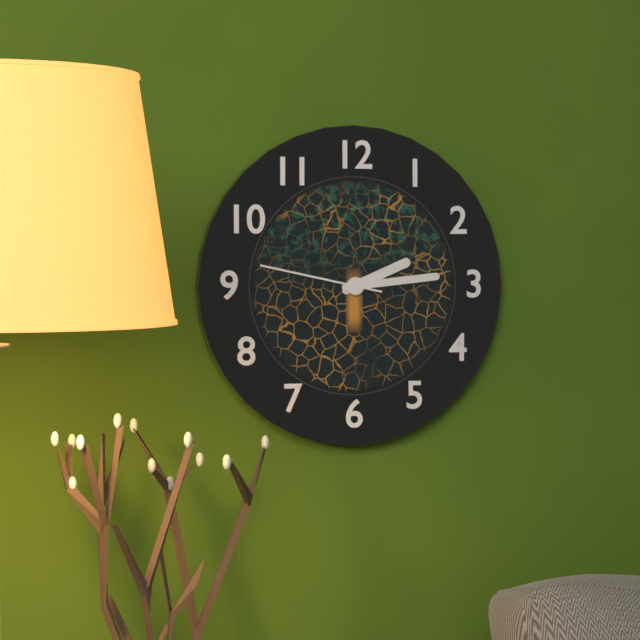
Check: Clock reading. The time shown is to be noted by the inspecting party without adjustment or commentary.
2:14:47
